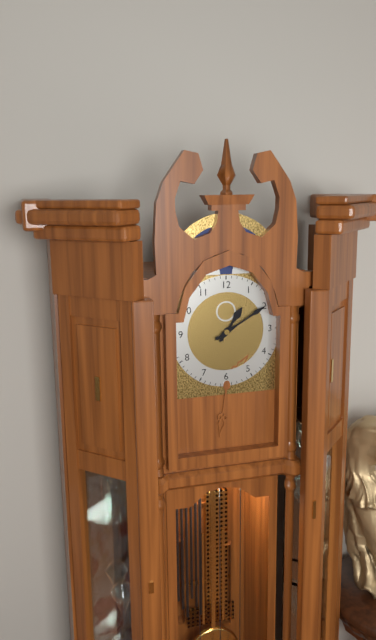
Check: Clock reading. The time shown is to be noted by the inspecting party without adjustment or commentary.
1:10
